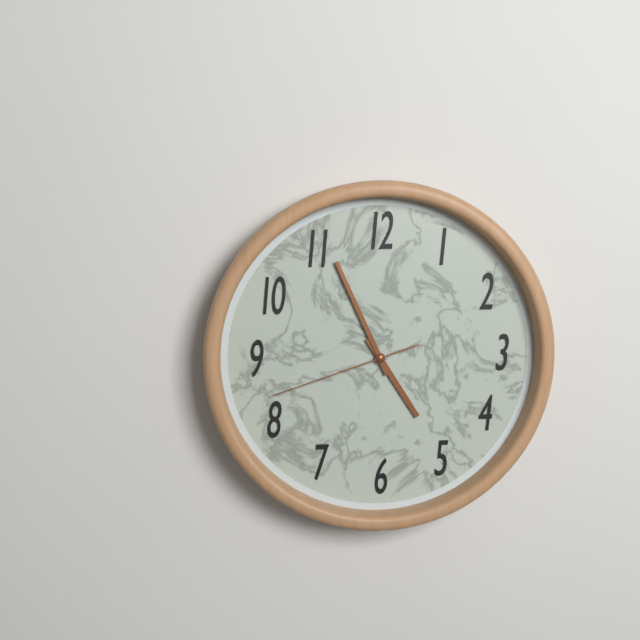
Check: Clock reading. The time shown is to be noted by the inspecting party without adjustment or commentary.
4:56:42
